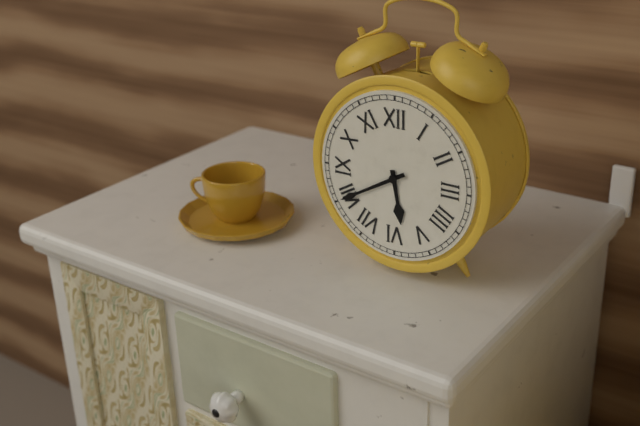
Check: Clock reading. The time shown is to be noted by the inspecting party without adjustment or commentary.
5:40
